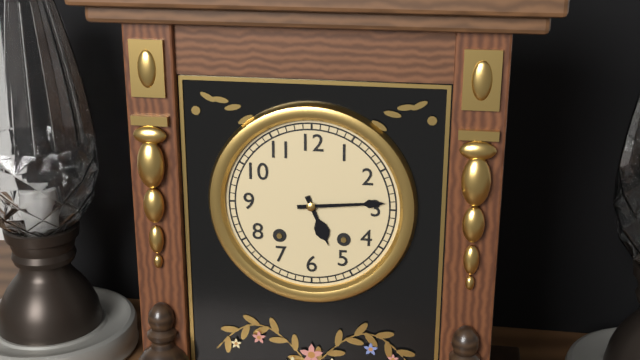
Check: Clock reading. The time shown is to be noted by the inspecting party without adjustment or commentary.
5:14
